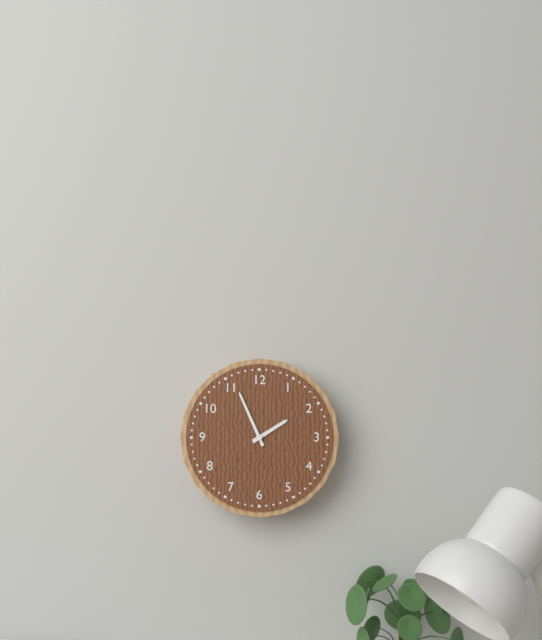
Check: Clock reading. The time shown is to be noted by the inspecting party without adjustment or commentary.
1:56
